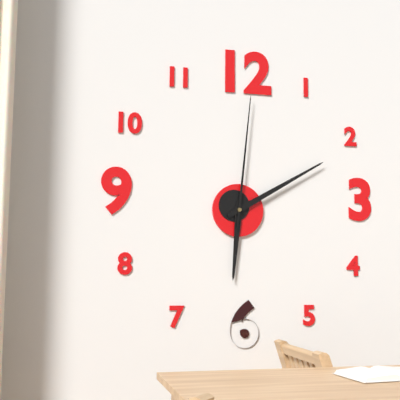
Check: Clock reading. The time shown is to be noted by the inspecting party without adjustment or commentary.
6:10:01
